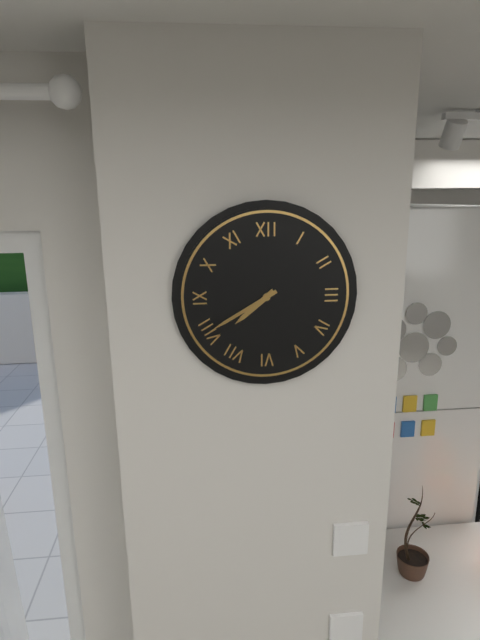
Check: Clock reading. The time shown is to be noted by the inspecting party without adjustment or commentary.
7:40
